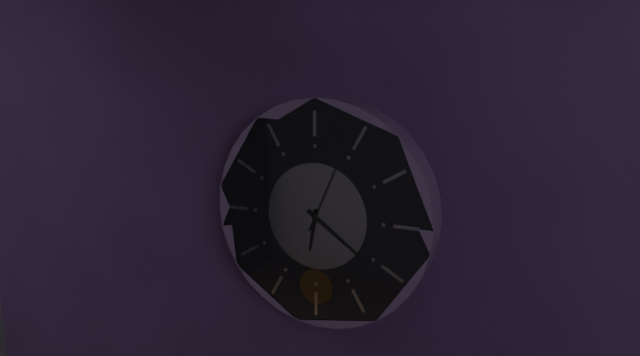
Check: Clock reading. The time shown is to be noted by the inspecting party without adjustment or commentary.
6:21:04
